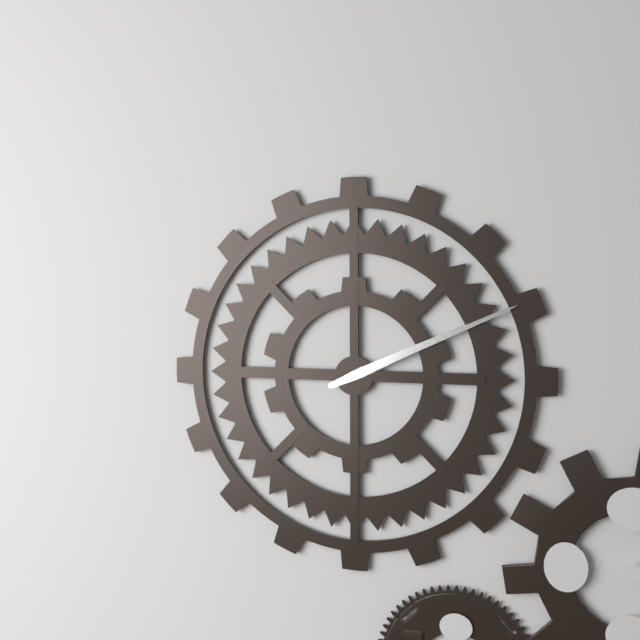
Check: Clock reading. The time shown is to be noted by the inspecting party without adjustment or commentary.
2:11
